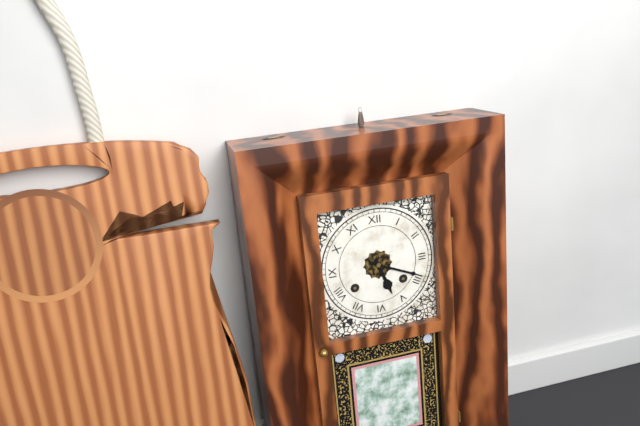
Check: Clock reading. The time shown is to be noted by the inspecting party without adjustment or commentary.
5:19
